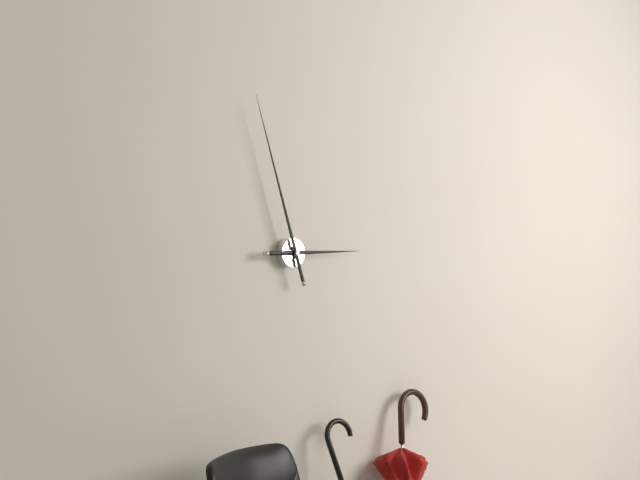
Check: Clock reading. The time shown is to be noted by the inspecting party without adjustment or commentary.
2:57
